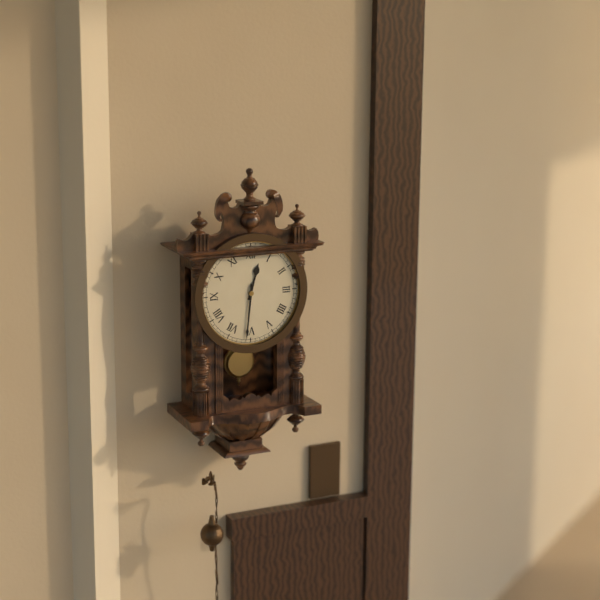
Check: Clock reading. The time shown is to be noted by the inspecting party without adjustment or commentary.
12:31
